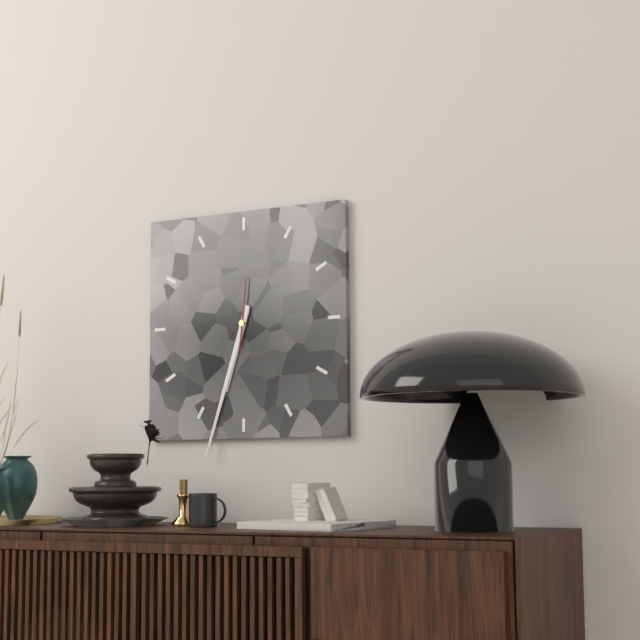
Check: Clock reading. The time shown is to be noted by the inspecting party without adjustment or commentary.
6:33:01
